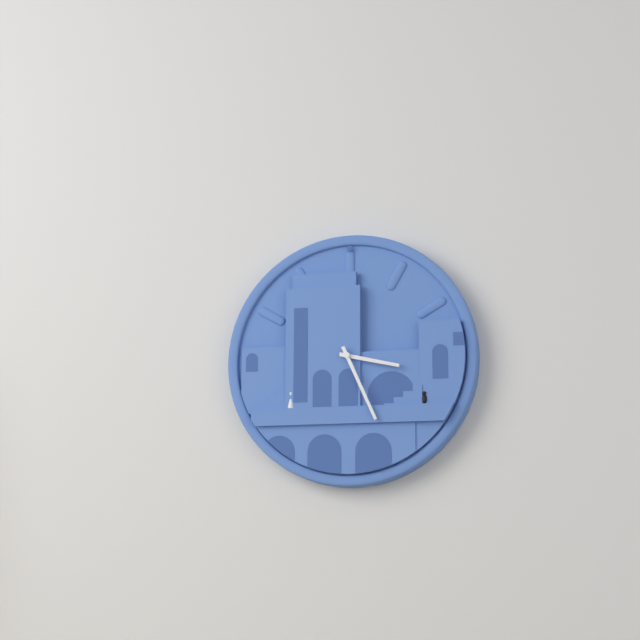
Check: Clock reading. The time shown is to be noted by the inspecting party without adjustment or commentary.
3:26
